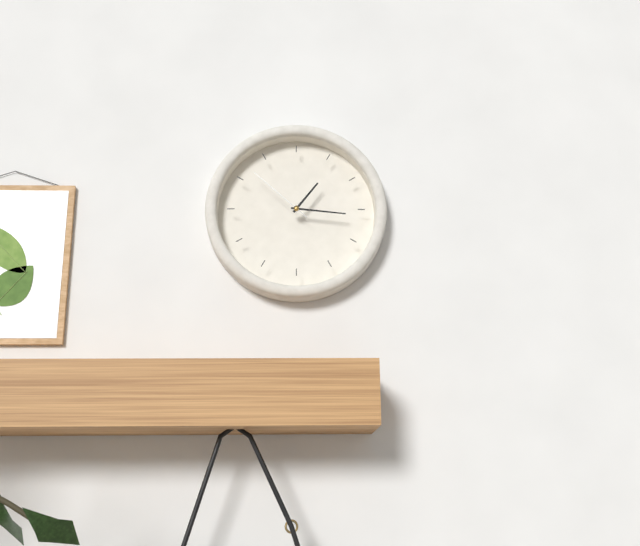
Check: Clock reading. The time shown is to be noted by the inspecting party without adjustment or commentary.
1:16:52
